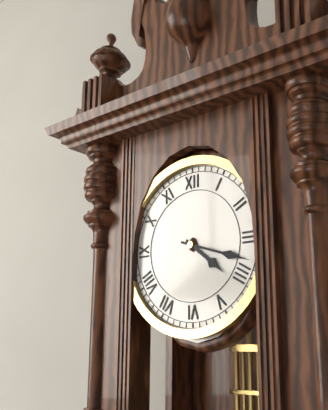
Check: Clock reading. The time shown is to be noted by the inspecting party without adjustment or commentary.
4:18
